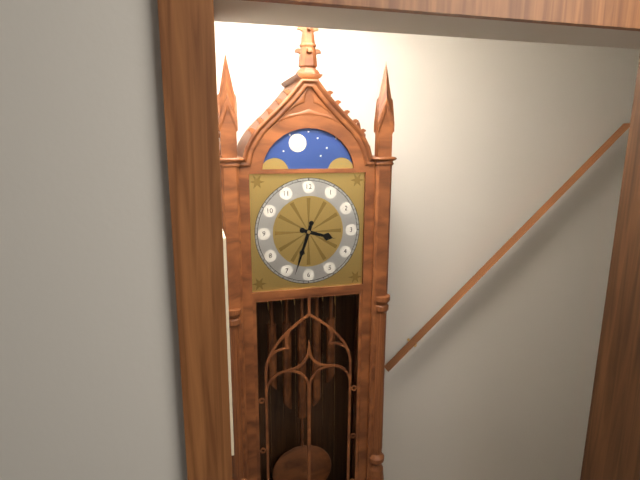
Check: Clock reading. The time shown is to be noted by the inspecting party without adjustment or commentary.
3:33
